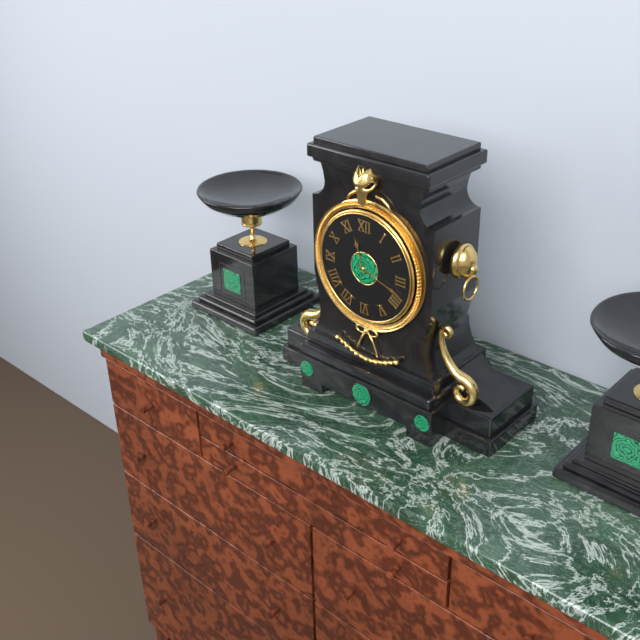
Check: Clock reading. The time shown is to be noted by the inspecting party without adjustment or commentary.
11:18
